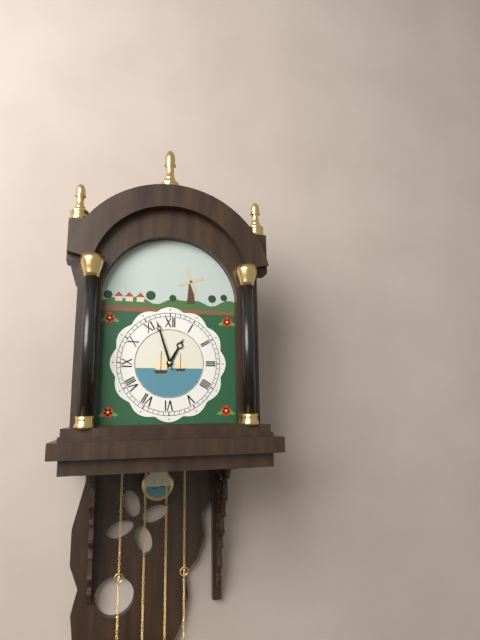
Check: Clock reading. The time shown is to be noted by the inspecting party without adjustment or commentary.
12:57
